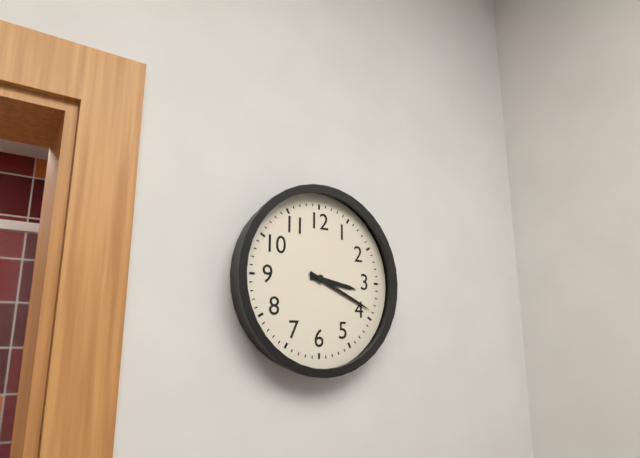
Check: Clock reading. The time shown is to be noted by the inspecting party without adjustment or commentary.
3:19
